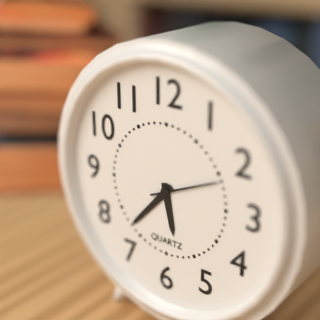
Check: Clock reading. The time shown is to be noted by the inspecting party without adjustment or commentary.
5:37:11
